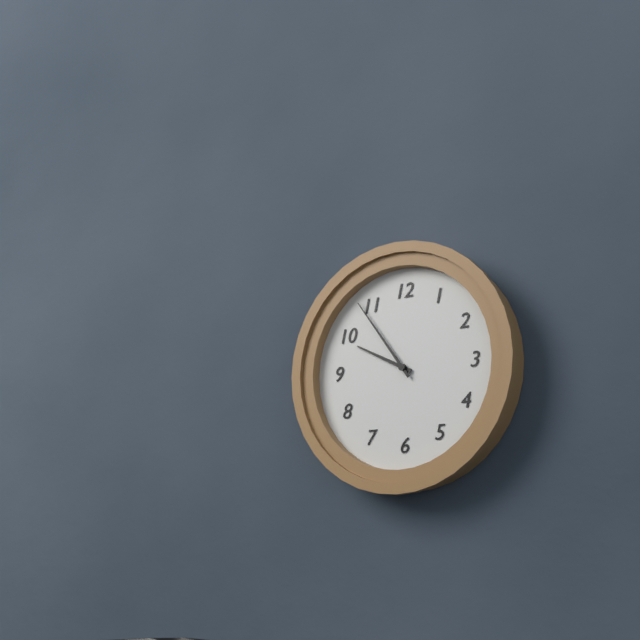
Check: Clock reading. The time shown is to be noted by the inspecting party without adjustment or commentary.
9:54
